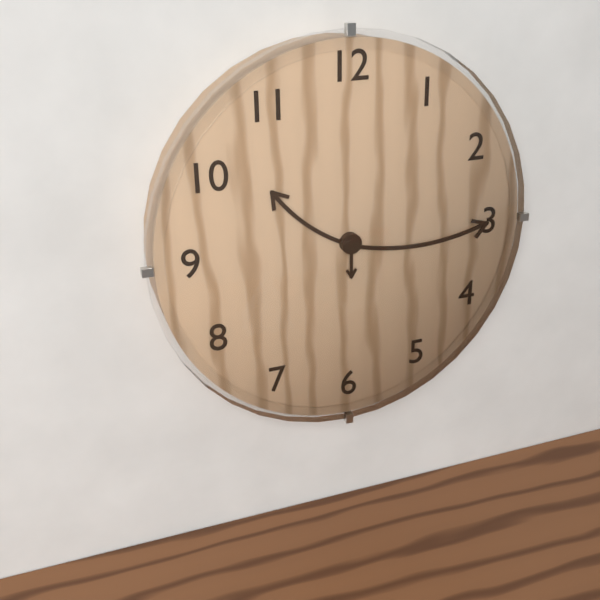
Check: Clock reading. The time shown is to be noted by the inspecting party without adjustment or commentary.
10:15
